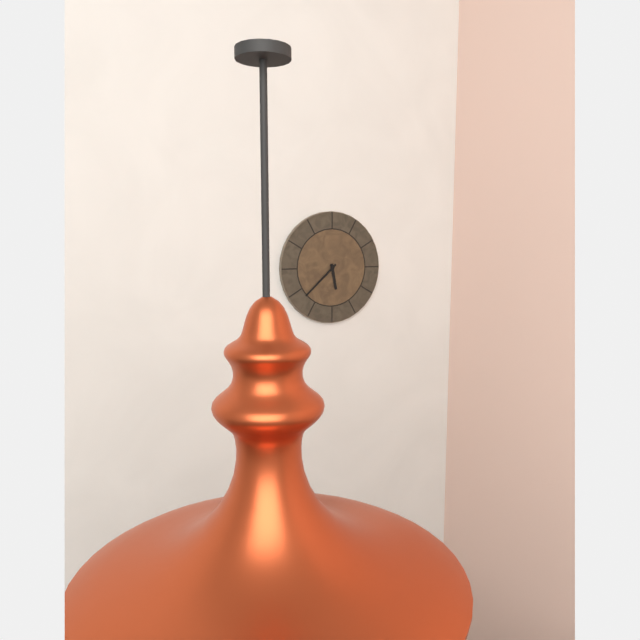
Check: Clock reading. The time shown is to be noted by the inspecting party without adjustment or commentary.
5:38
